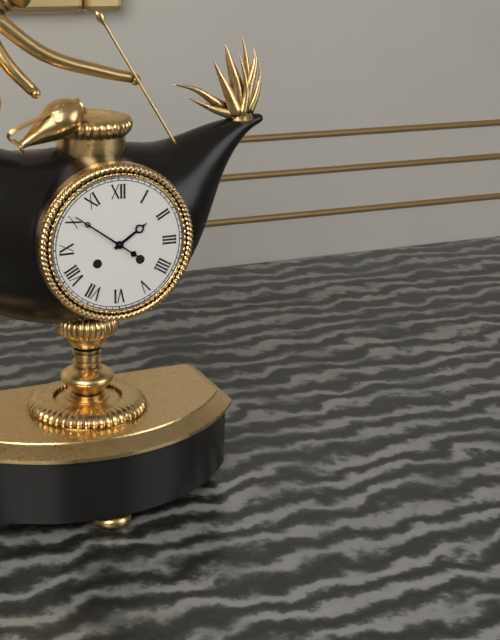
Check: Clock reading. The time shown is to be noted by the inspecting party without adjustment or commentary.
1:51
